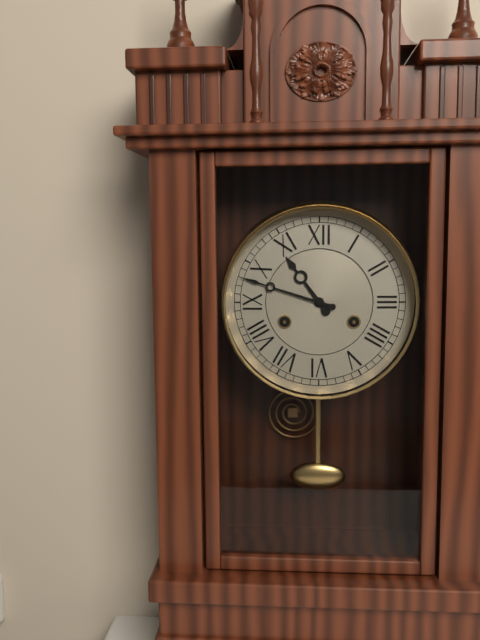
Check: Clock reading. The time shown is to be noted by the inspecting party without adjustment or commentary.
10:48
